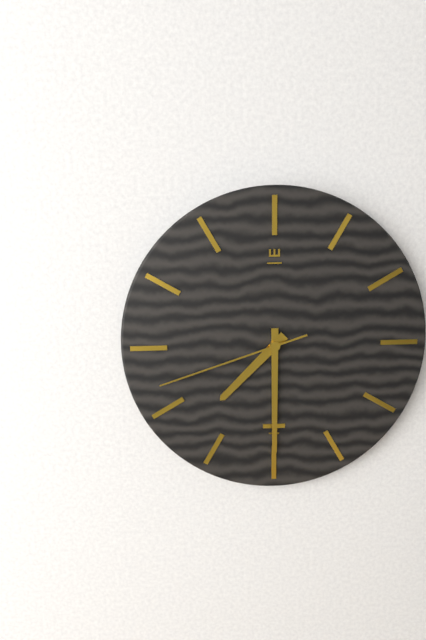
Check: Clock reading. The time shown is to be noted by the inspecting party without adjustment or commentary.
7:30:42
